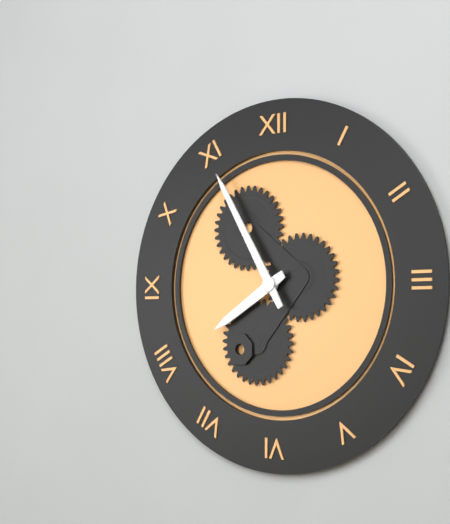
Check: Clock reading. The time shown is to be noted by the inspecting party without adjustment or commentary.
7:55
